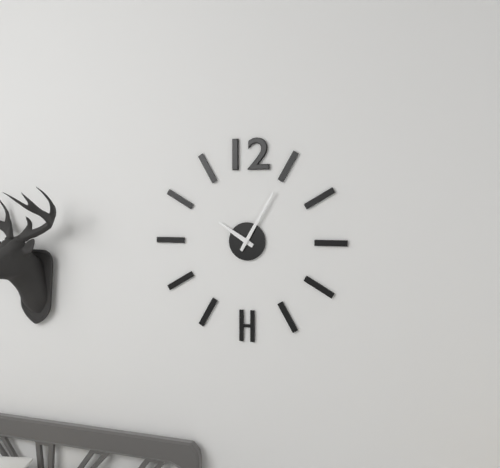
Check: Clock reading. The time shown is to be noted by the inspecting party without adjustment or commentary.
10:05
